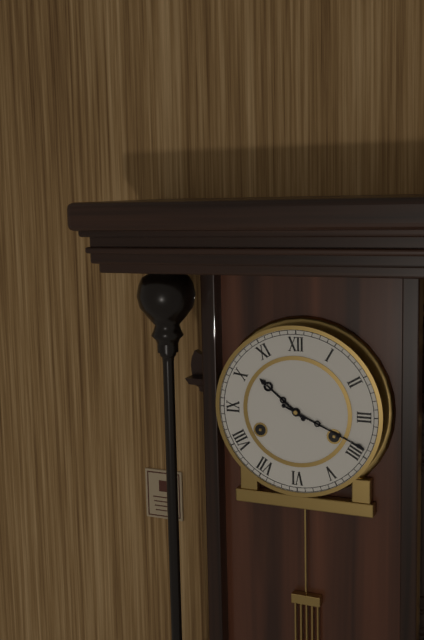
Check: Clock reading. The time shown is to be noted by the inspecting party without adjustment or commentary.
10:19
